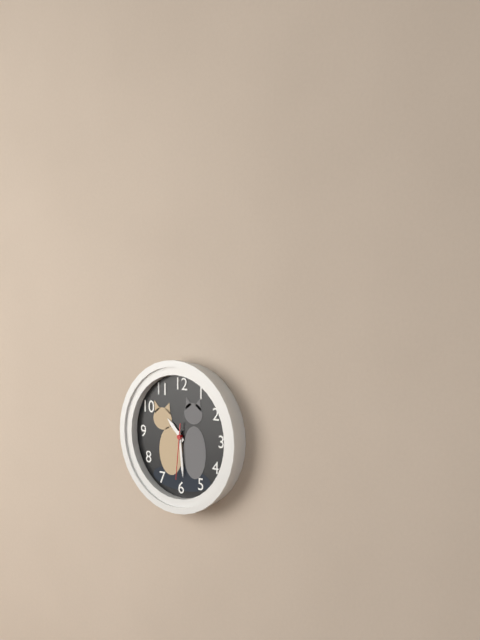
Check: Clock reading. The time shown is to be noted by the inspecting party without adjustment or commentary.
10:29:31
